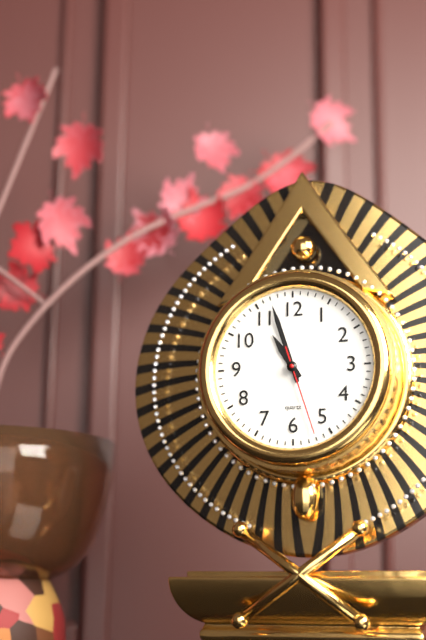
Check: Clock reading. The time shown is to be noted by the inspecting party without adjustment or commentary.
10:57:27
